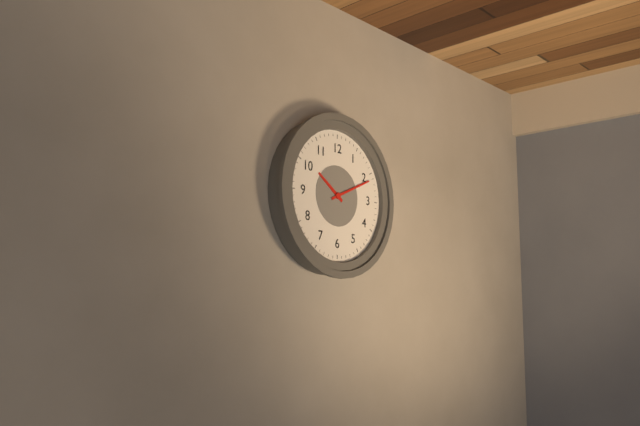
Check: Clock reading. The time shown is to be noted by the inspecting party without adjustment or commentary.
10:11
